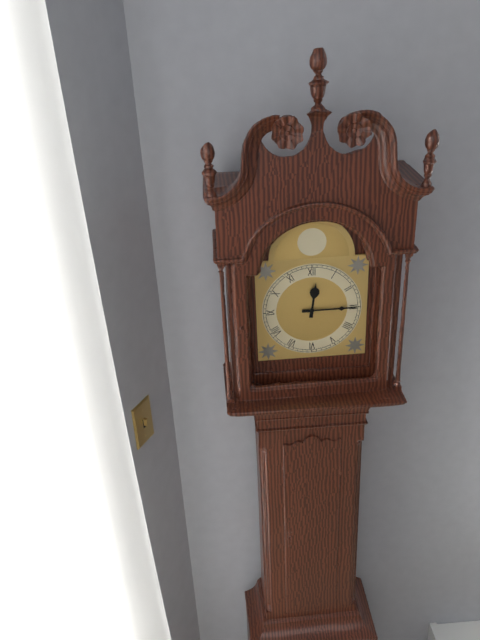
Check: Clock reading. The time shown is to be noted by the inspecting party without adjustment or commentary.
12:15
